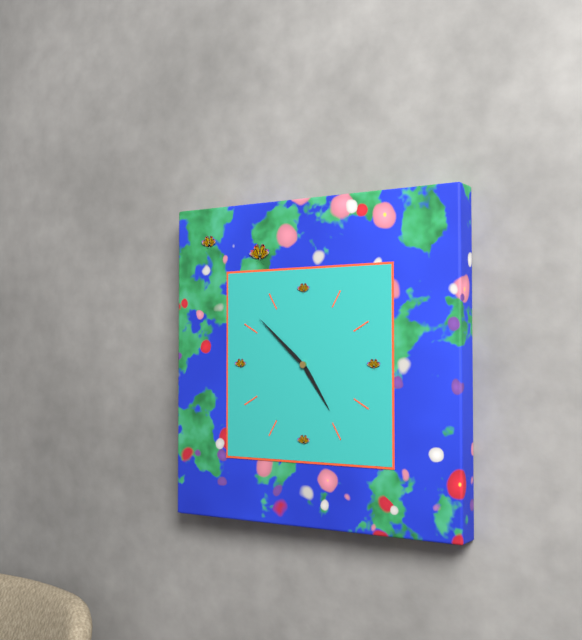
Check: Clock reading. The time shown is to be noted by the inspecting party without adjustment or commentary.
4:52
